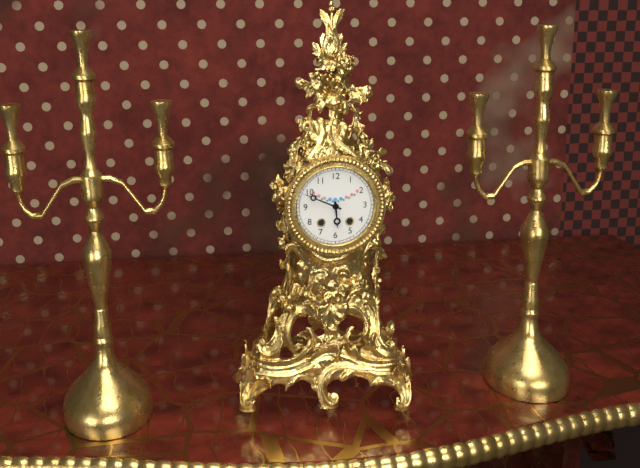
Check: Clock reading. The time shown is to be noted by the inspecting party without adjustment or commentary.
5:49
